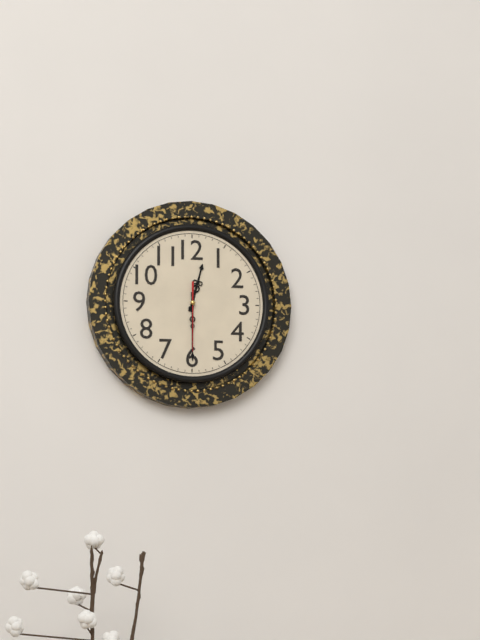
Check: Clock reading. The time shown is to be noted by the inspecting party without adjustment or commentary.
12:30:30
